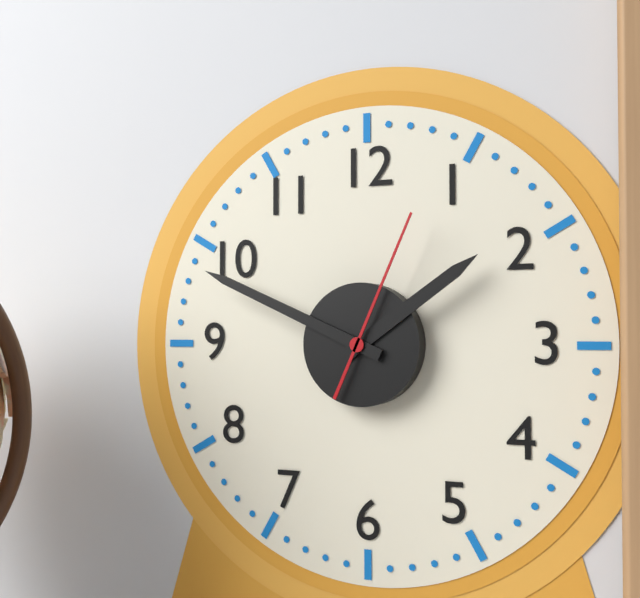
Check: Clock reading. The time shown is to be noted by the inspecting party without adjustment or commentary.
1:49:04
